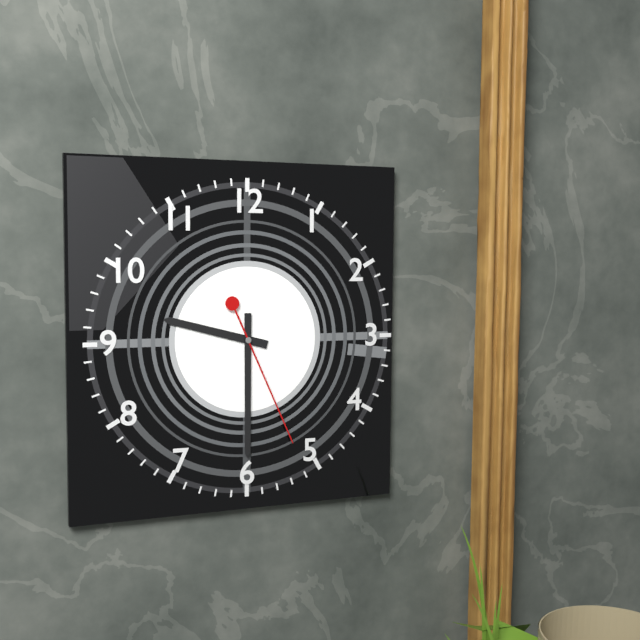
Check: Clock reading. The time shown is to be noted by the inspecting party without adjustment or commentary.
9:30:26
